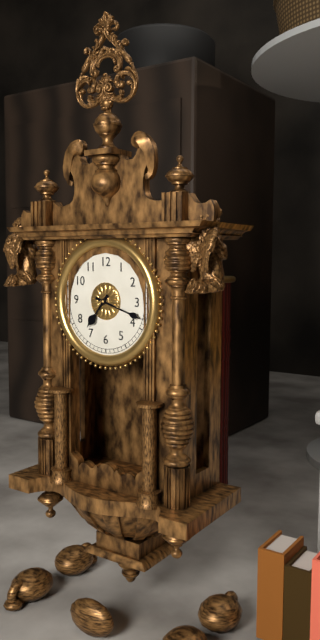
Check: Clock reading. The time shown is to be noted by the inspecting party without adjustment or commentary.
7:18
